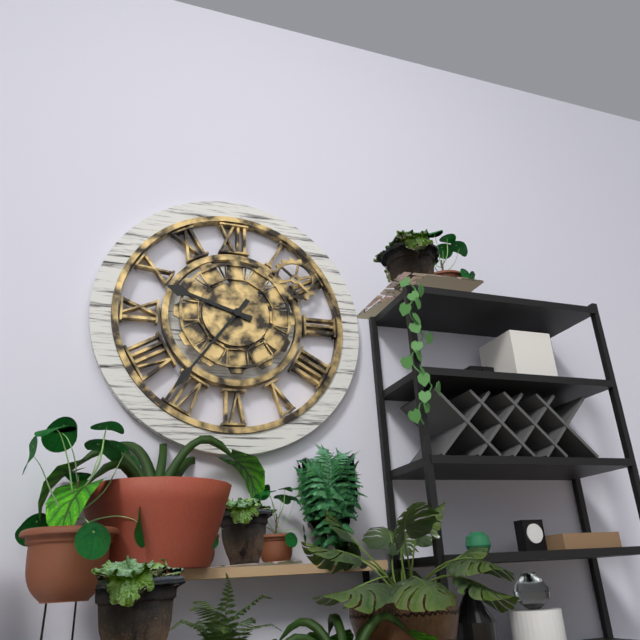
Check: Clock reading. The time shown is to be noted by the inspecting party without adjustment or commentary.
9:36
